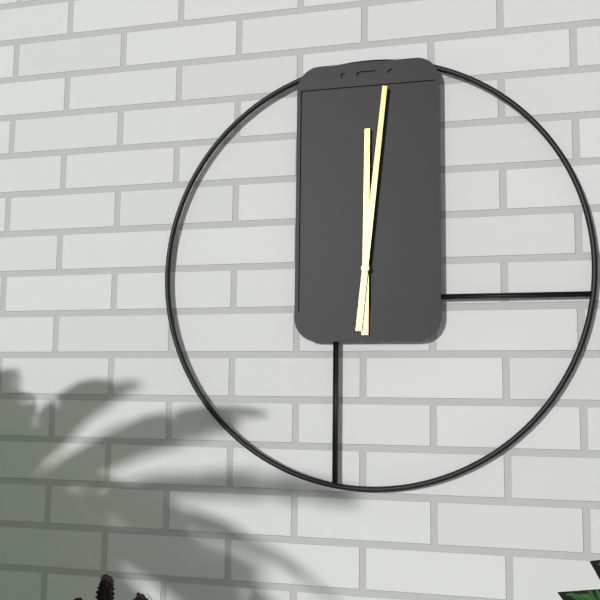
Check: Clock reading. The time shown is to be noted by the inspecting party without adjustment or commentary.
12:01
